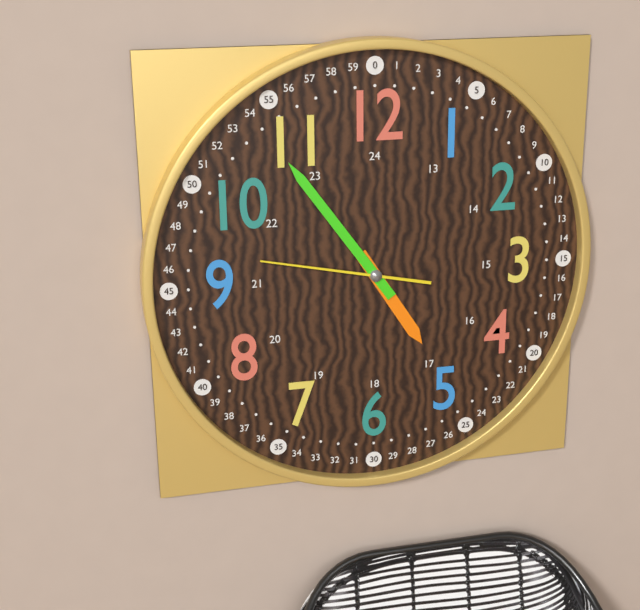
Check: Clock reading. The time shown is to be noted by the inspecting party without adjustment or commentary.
4:54:47
